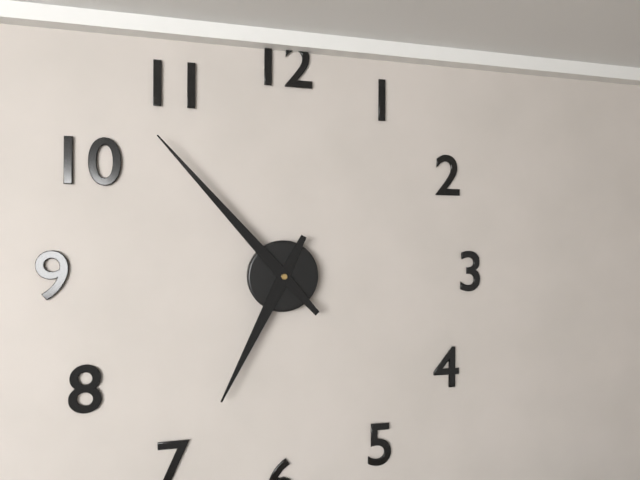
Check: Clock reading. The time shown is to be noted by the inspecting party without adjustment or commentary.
6:53
